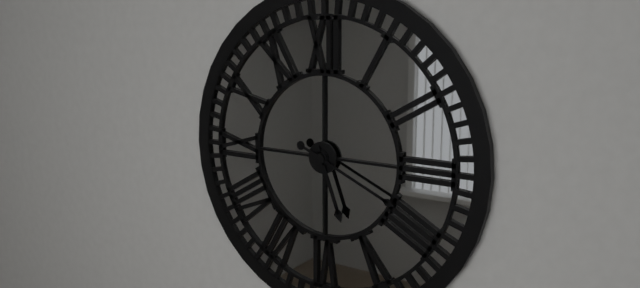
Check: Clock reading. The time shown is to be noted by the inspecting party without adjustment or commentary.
5:19
